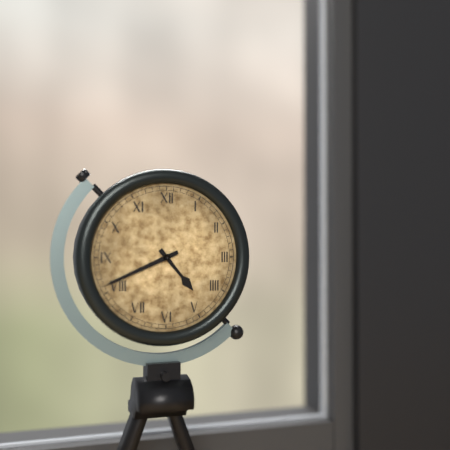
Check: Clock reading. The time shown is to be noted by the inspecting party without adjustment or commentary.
4:41
